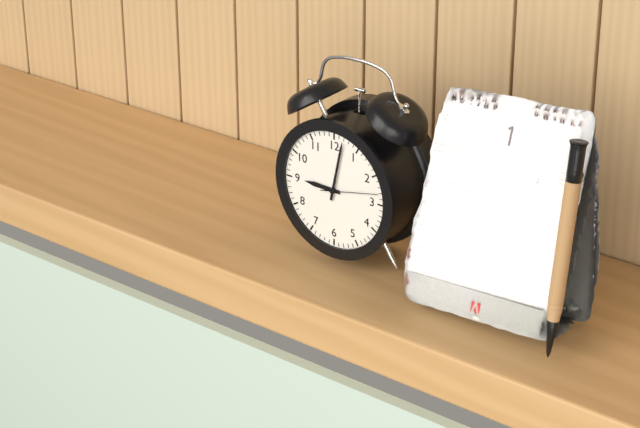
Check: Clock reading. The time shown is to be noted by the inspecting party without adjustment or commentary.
9:02:13
